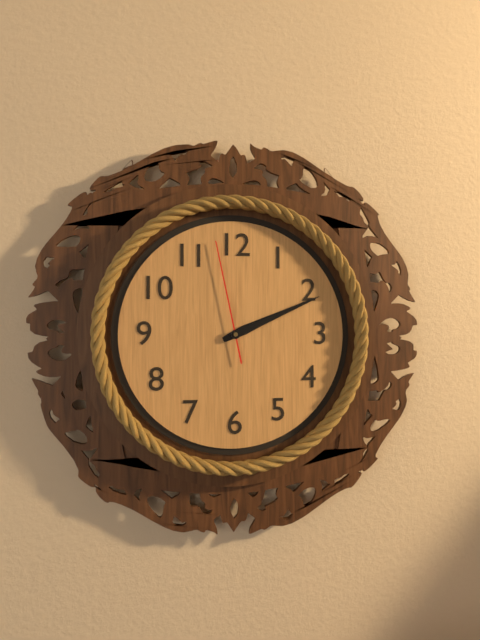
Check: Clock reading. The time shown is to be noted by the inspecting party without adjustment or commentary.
2:11:58
